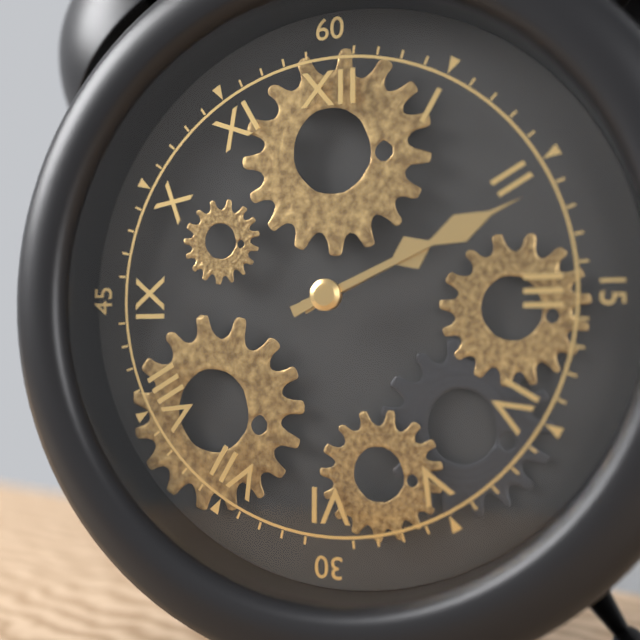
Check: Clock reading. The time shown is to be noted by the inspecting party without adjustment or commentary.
2:11
